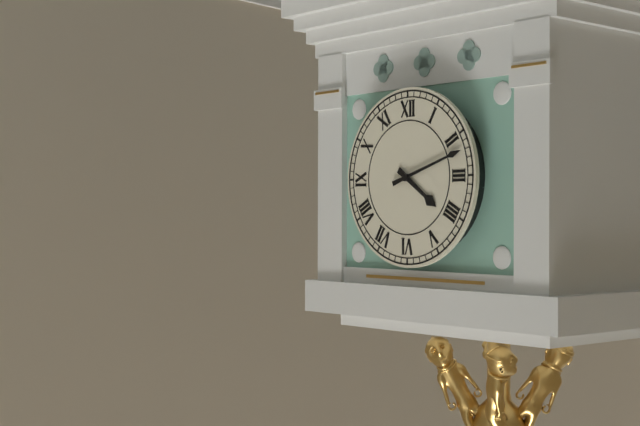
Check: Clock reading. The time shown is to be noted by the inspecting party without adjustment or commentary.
4:12
